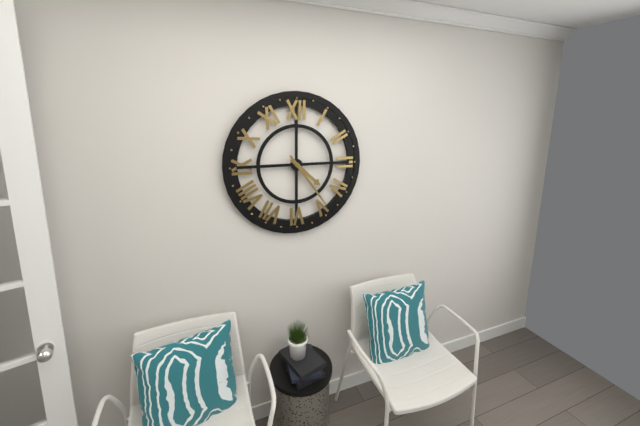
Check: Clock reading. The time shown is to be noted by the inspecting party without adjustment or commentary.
4:24
